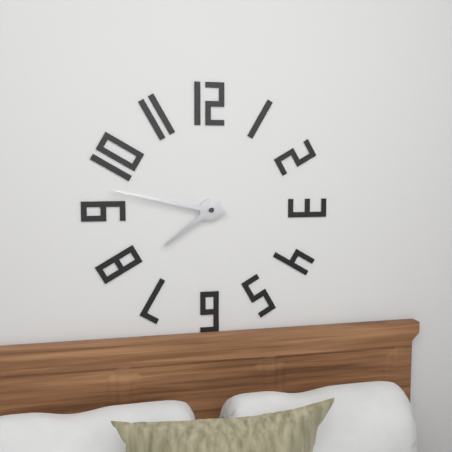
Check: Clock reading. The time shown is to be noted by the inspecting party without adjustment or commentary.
7:47
